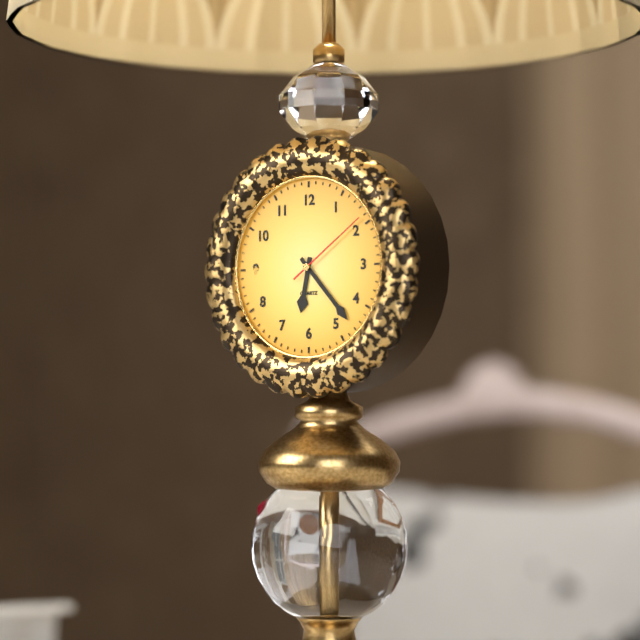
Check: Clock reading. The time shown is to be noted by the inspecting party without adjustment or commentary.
6:23:09
